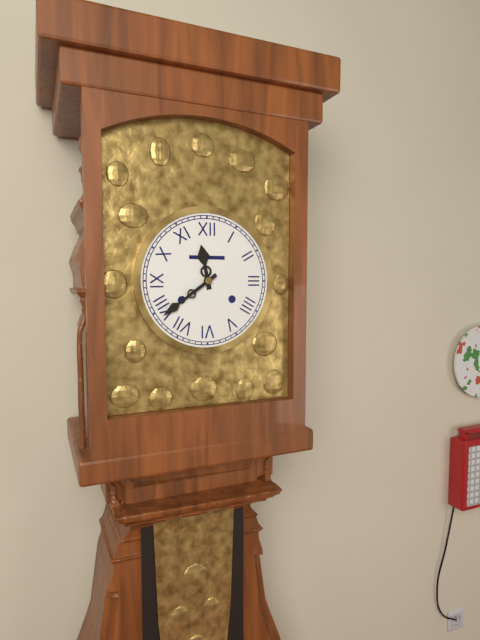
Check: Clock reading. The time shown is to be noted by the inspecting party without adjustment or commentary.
11:39
